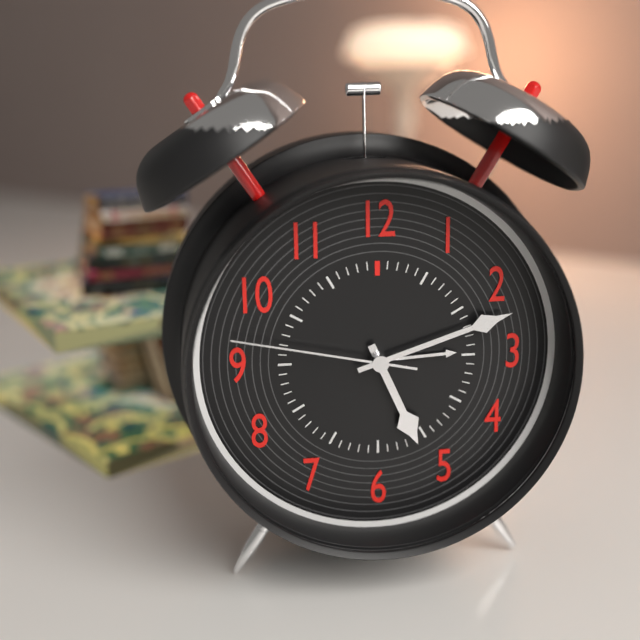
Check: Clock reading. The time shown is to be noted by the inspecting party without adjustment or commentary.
5:12:47
